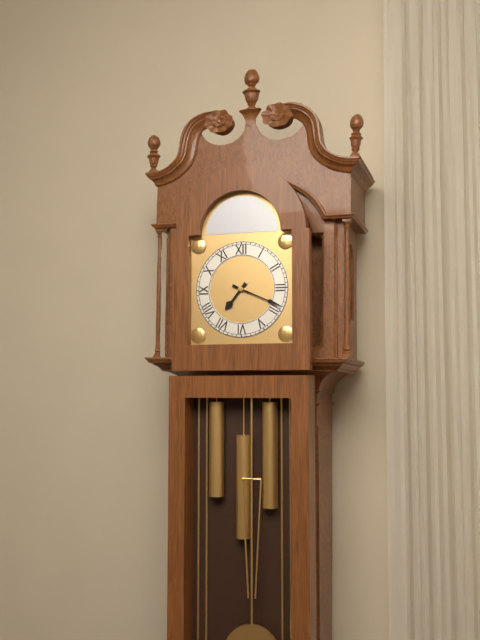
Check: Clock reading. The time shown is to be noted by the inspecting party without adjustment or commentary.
7:19
